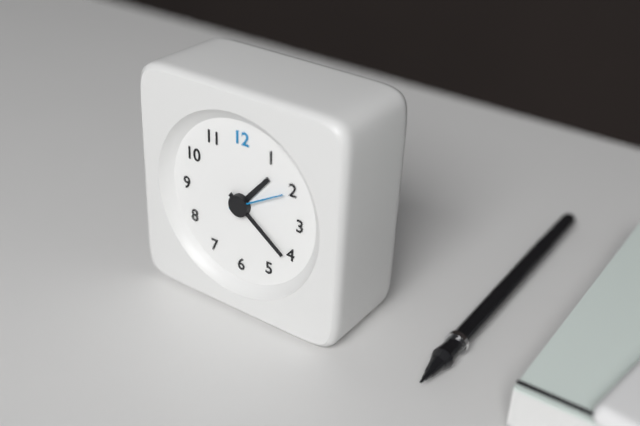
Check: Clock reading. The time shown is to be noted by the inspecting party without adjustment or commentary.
1:21:10
